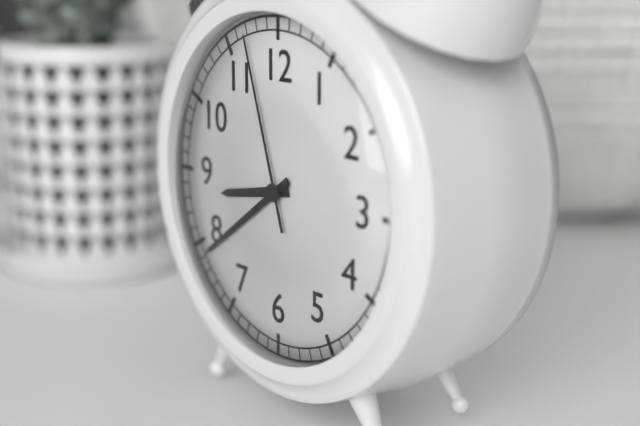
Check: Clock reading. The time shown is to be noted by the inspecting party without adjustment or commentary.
8:39:57
